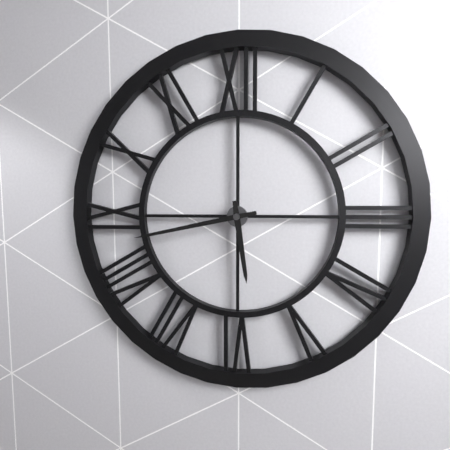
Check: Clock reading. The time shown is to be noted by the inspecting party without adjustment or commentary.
5:43
